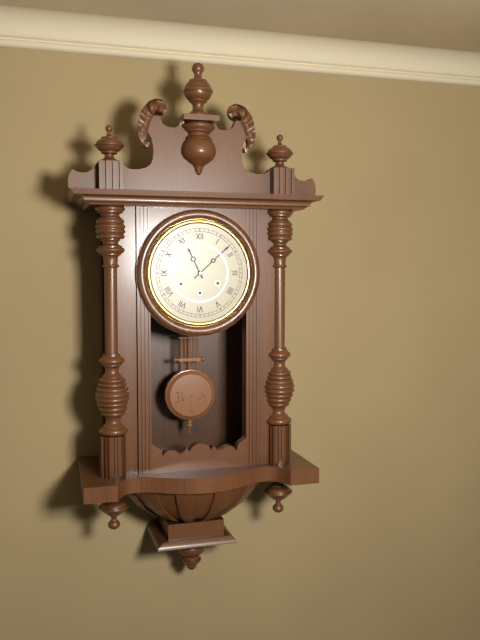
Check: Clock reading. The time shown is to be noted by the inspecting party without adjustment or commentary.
11:08
